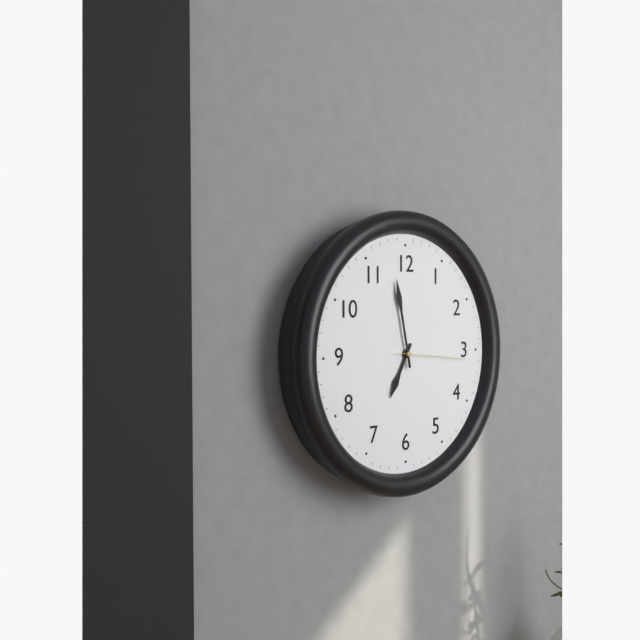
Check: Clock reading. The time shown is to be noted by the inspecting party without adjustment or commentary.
6:58:16
